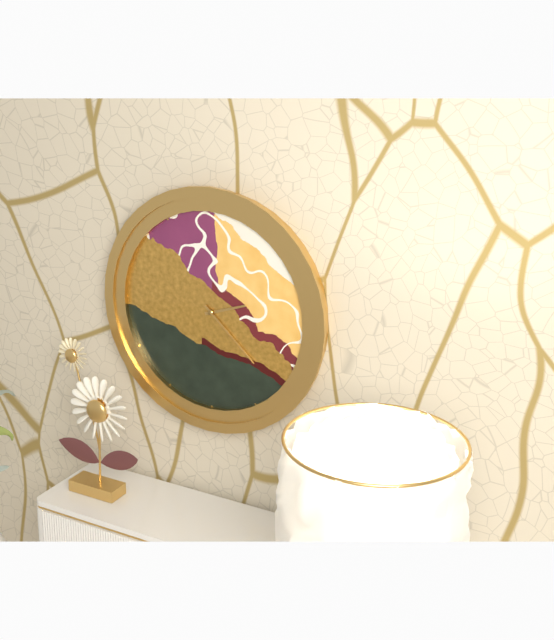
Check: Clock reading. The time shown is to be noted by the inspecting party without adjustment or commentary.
2:22
